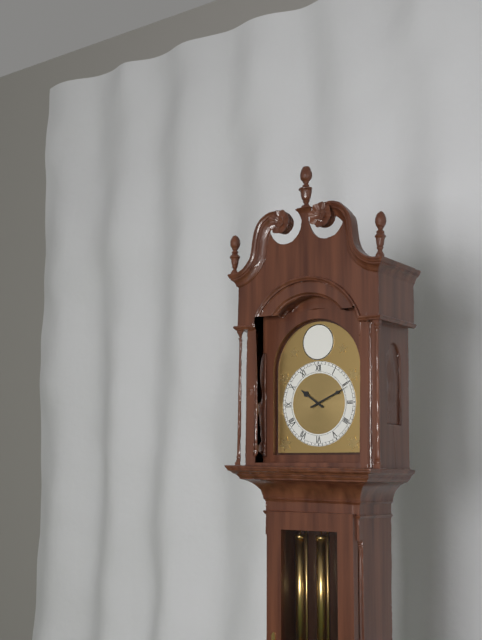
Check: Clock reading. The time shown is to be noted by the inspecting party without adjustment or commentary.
10:11
